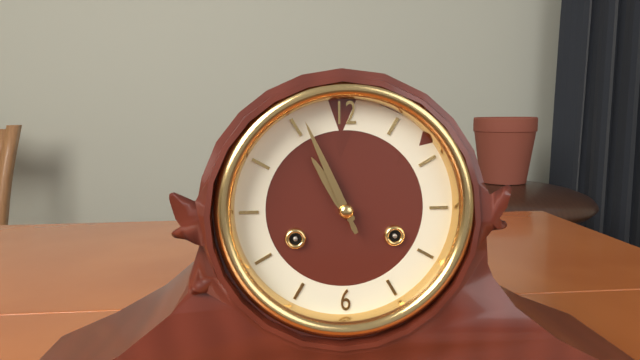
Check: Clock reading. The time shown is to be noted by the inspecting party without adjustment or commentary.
10:56
